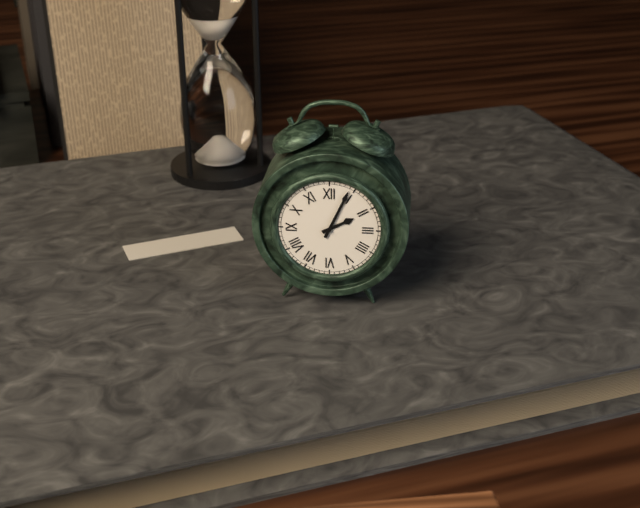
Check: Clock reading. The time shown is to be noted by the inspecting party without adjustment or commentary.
2:04
